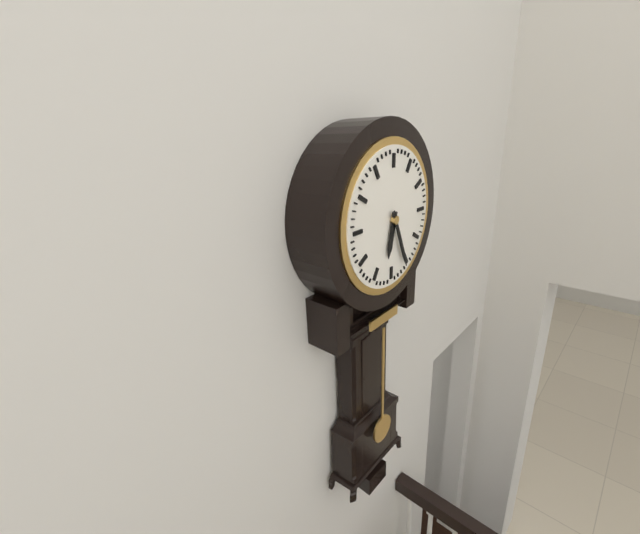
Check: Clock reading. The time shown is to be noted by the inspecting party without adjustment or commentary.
6:26
